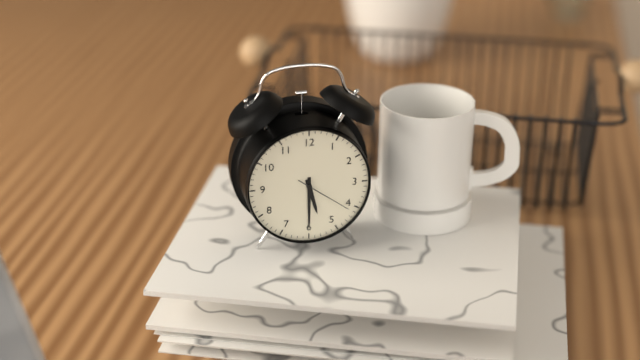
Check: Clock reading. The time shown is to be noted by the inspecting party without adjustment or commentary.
5:30:21
